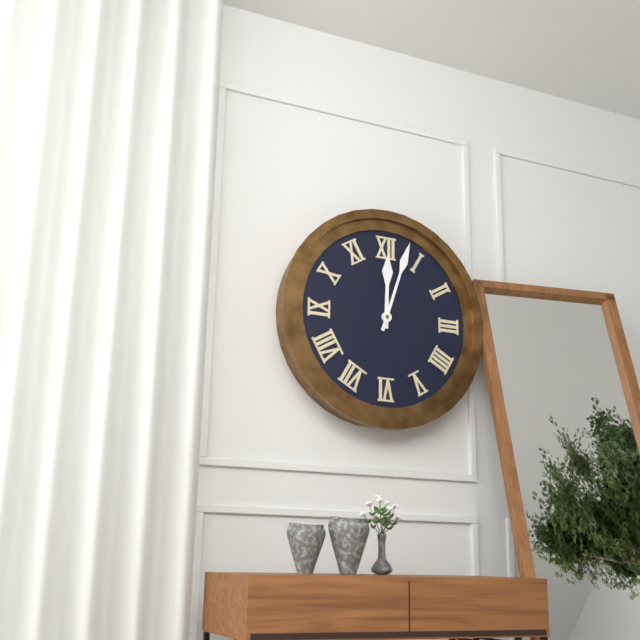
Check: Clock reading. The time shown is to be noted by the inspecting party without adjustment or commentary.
12:03
